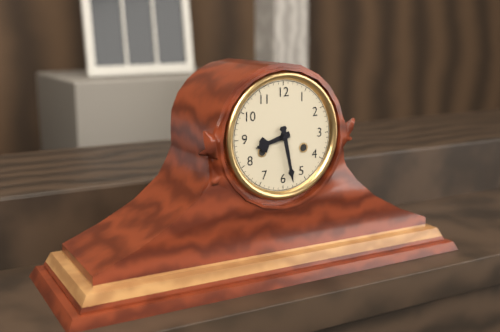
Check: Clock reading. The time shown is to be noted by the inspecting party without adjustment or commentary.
8:28
